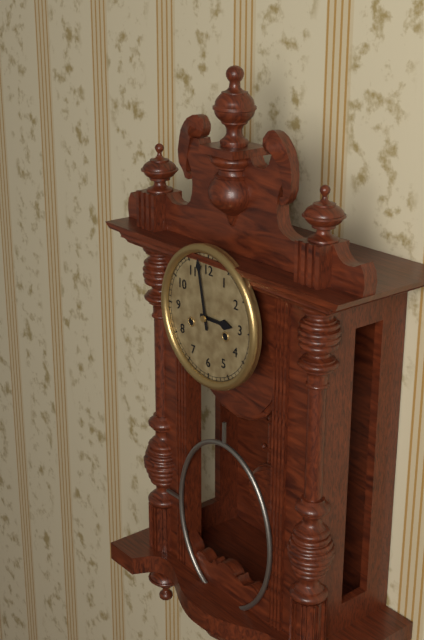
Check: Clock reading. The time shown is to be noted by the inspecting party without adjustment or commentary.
2:58
